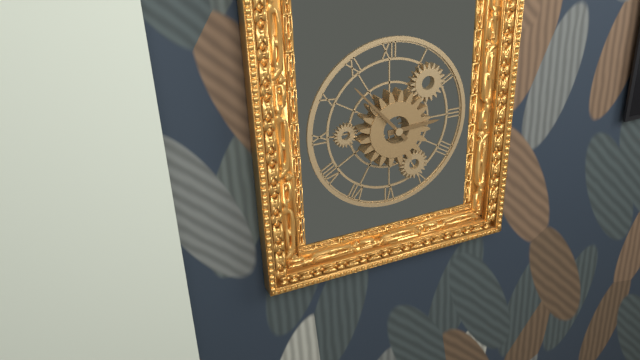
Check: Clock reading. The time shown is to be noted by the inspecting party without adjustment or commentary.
2:53
